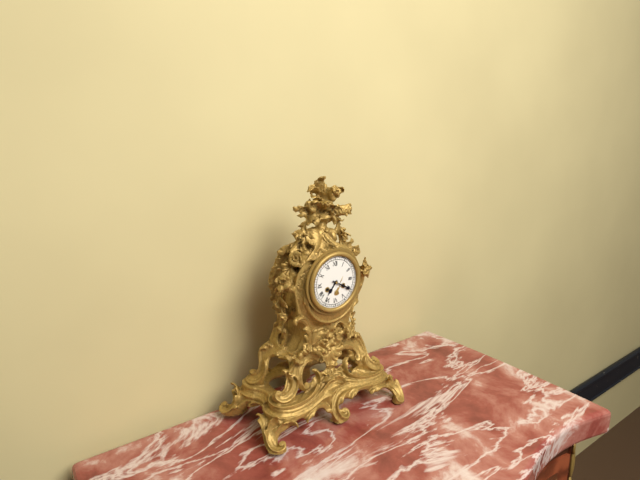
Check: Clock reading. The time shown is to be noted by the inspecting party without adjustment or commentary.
7:20
